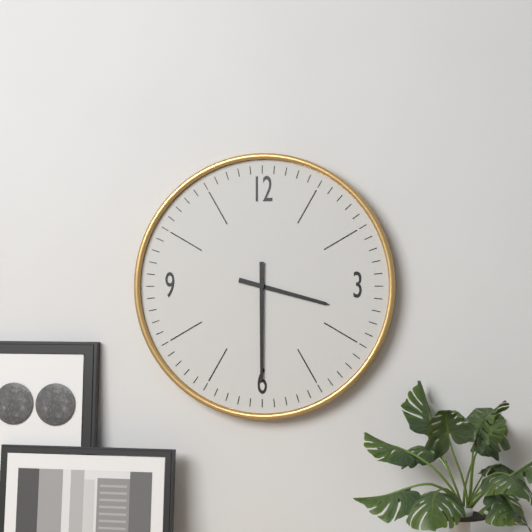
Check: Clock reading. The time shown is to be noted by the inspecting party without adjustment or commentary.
3:30
